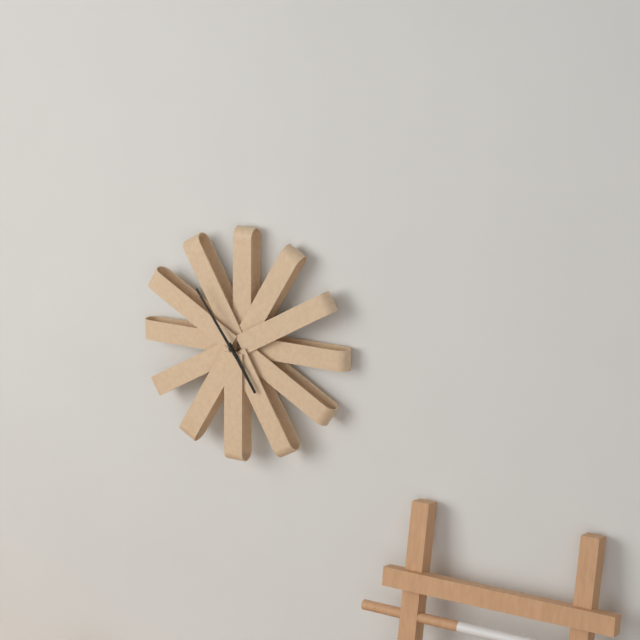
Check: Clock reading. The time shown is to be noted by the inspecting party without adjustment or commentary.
4:54
